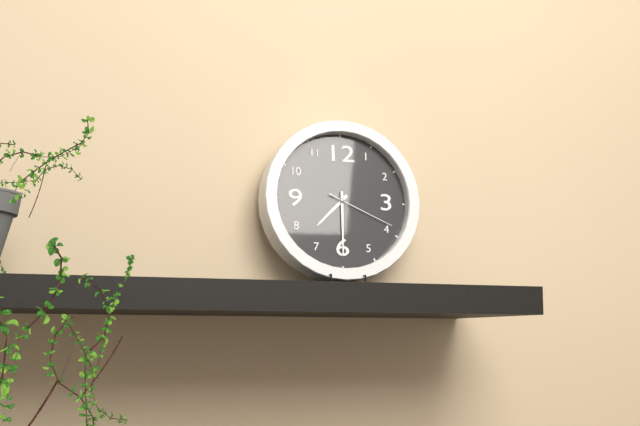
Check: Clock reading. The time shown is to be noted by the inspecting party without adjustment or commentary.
7:30:19
